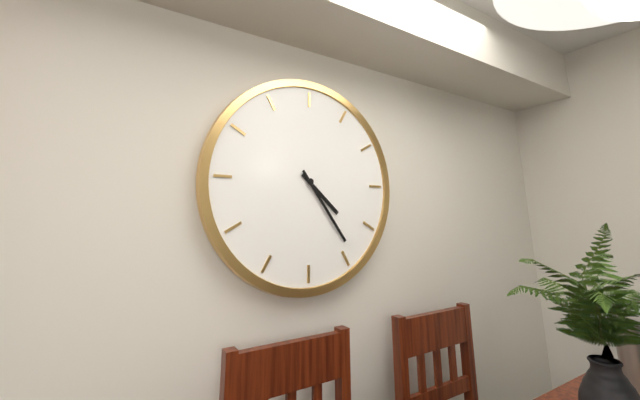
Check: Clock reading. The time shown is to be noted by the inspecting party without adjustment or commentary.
4:24
